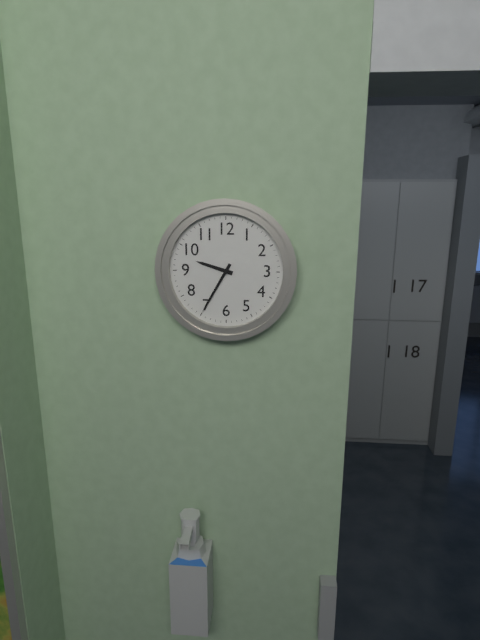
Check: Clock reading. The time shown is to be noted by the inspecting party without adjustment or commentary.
9:35
